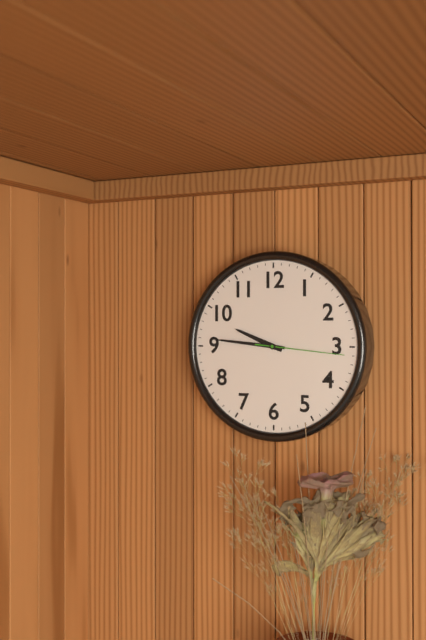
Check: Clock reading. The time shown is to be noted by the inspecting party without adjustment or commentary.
9:46:16
